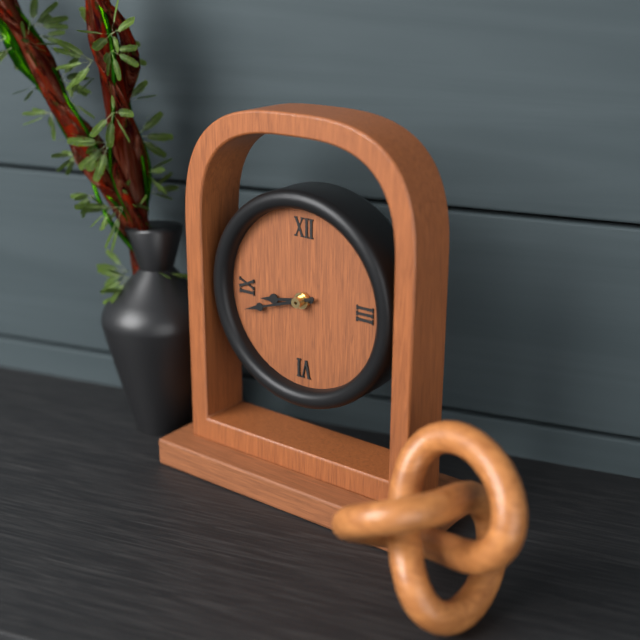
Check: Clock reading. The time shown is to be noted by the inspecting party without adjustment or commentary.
8:42
